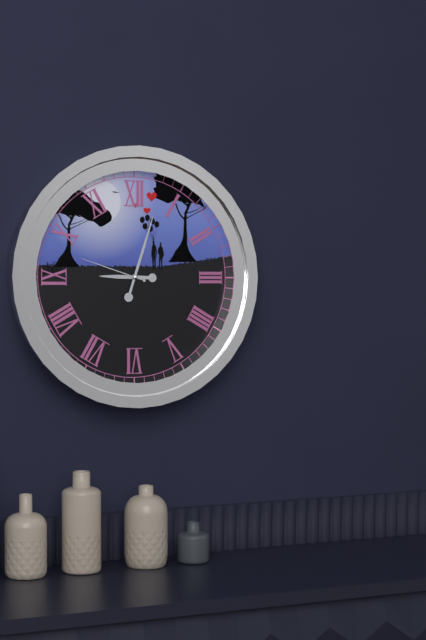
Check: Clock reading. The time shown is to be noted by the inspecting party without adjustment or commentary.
9:03:48
